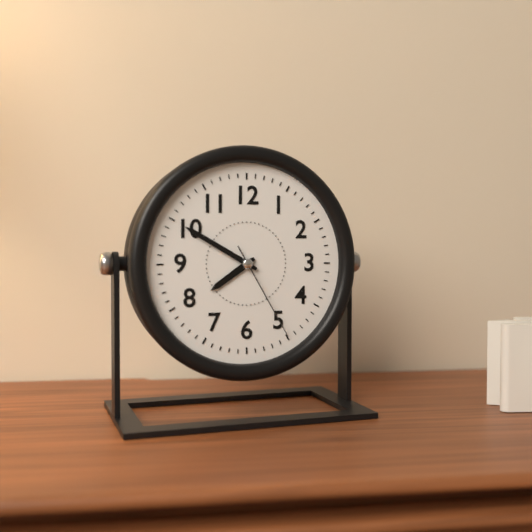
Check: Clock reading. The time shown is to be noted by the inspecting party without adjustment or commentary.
7:50:25
